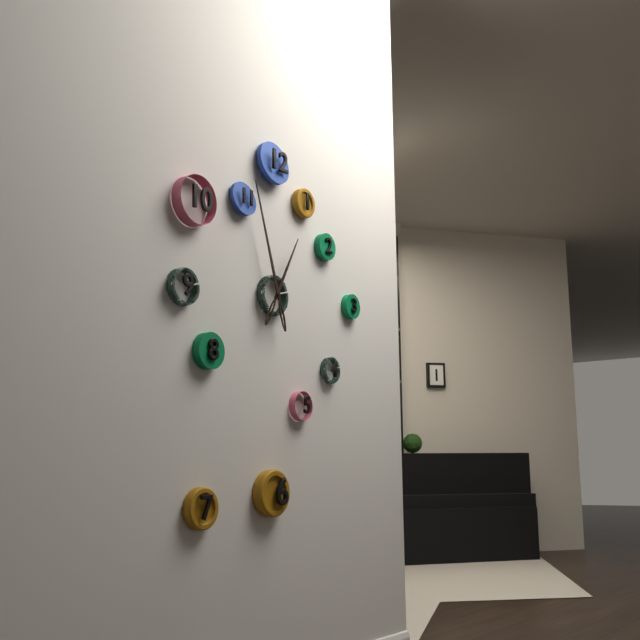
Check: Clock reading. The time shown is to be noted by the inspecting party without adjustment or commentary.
12:57
